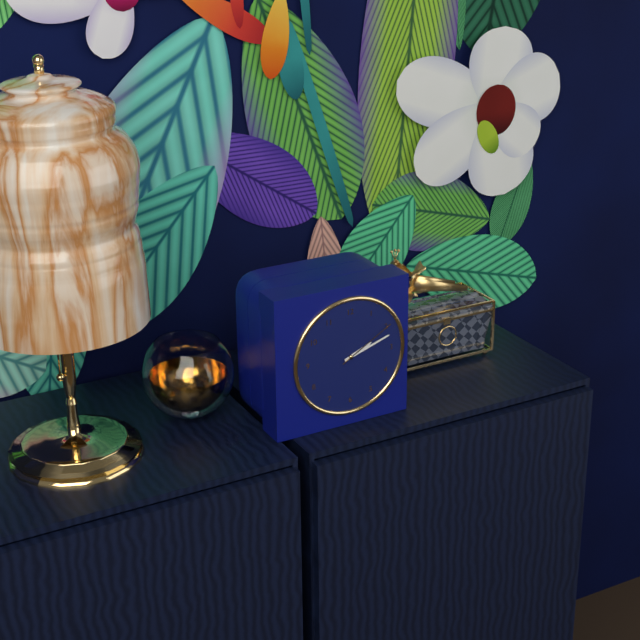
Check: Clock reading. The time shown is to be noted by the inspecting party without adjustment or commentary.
2:12:10
